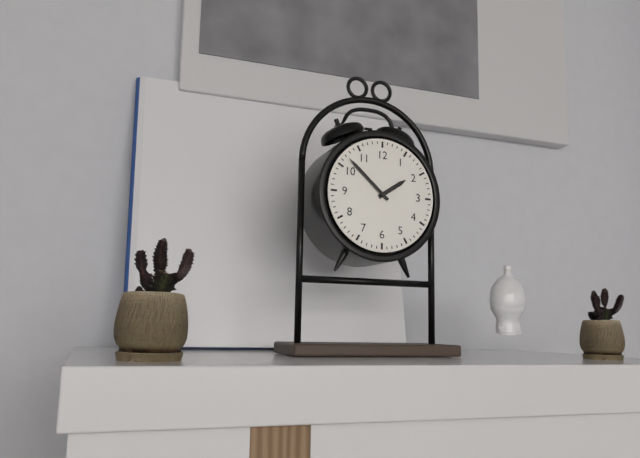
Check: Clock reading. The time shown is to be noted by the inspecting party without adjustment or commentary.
1:52
